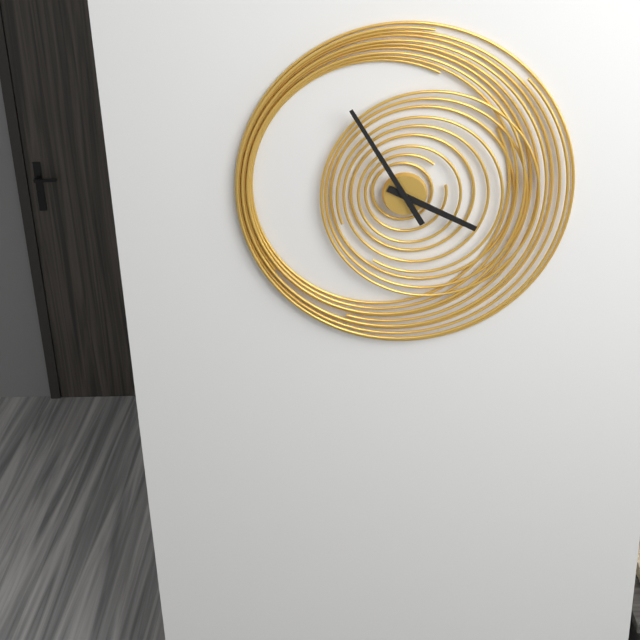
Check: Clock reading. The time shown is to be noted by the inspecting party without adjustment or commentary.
3:55
